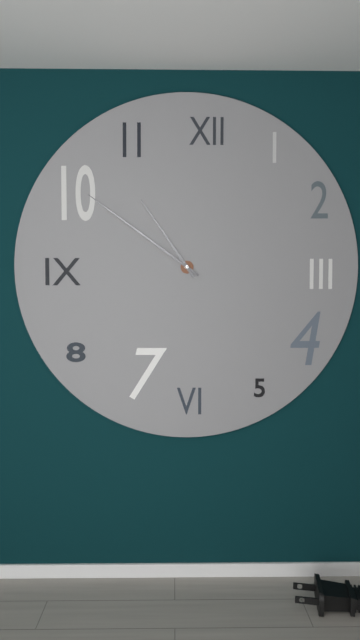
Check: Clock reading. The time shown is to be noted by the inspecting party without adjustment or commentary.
10:51
